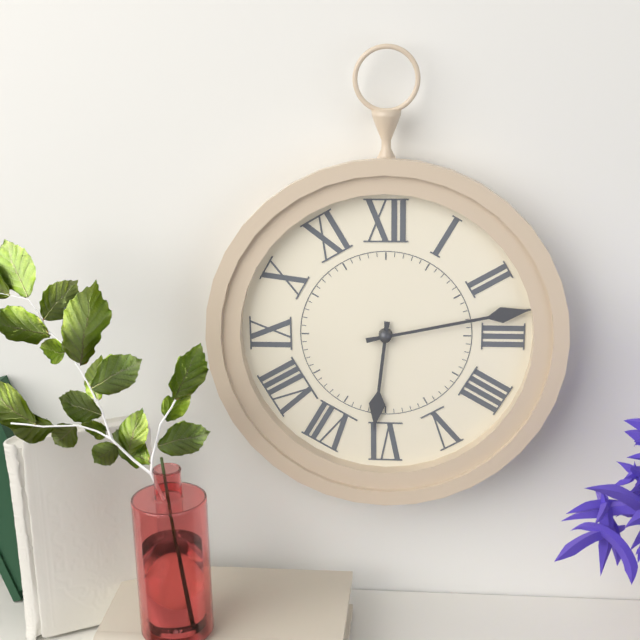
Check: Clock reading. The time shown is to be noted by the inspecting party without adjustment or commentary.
6:13
